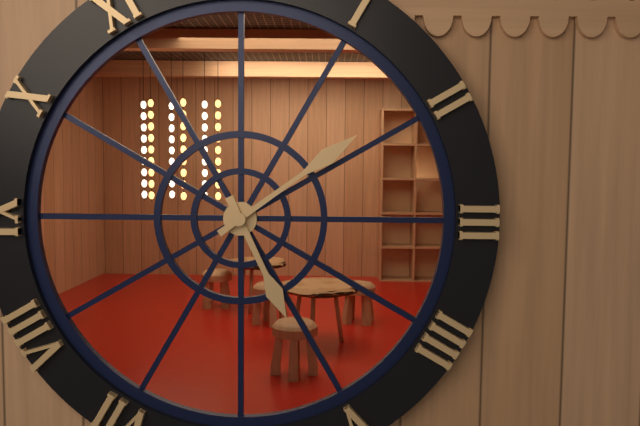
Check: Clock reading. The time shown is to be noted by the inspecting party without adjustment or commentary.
5:09
